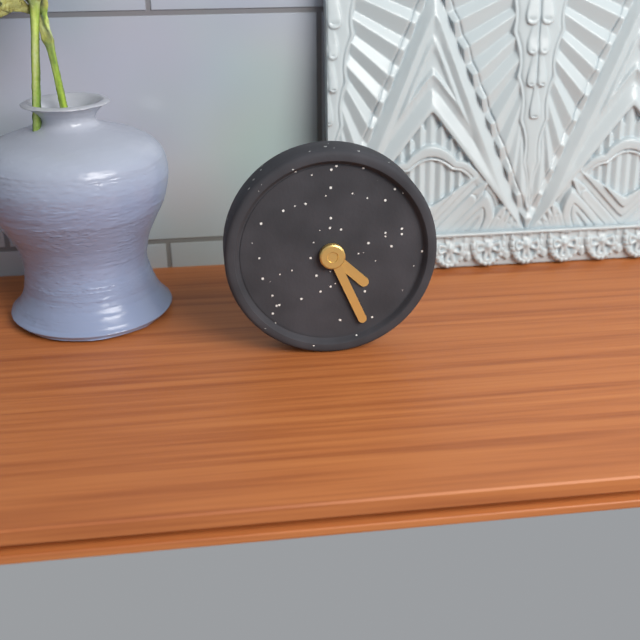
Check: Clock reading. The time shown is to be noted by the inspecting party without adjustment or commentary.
4:26
